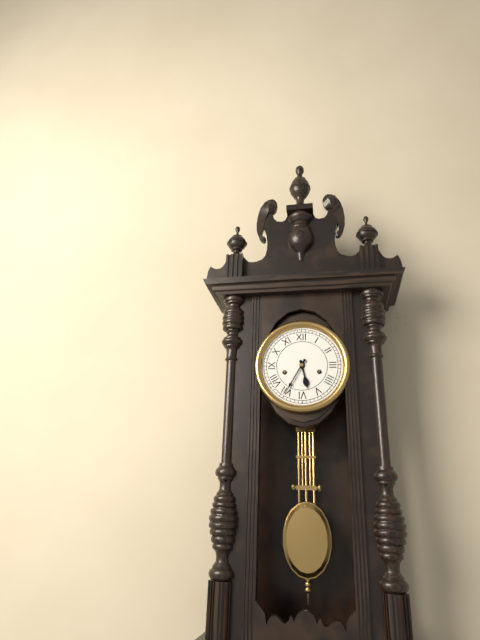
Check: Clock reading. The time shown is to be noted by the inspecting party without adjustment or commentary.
5:35
